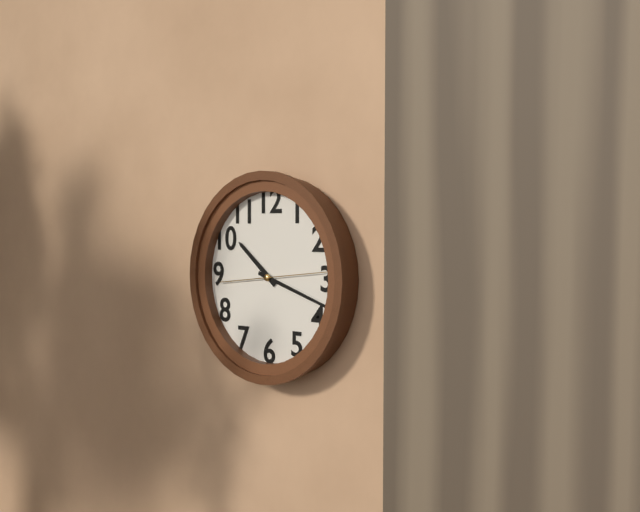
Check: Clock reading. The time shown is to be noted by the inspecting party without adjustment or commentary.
10:18:14
